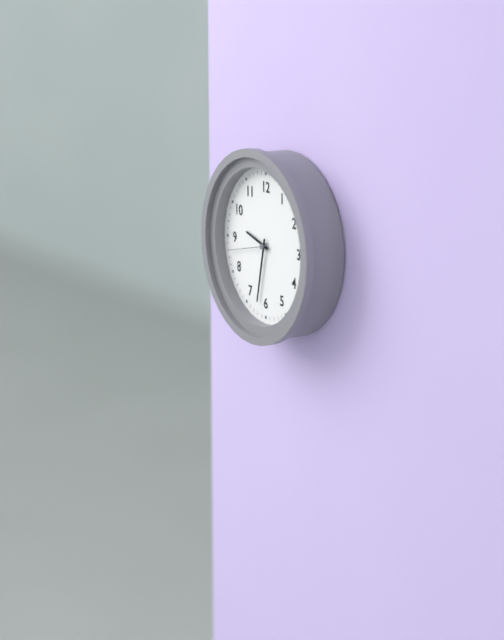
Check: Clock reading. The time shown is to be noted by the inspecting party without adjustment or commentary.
9:32
